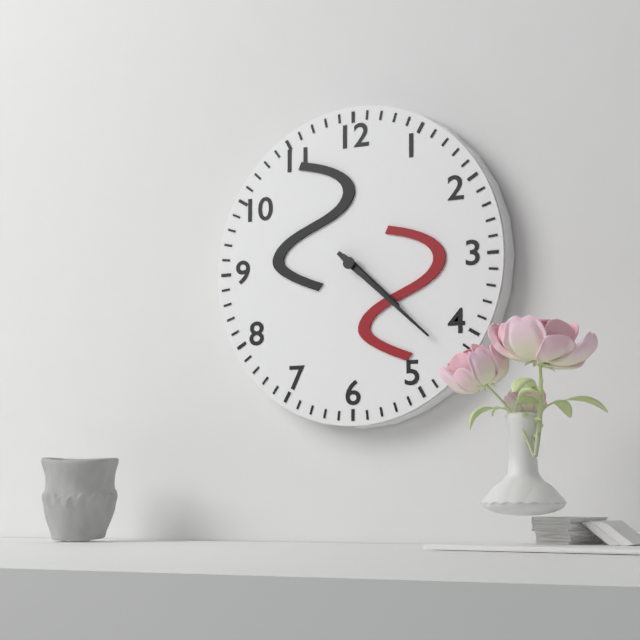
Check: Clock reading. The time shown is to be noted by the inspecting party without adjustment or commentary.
4:22
